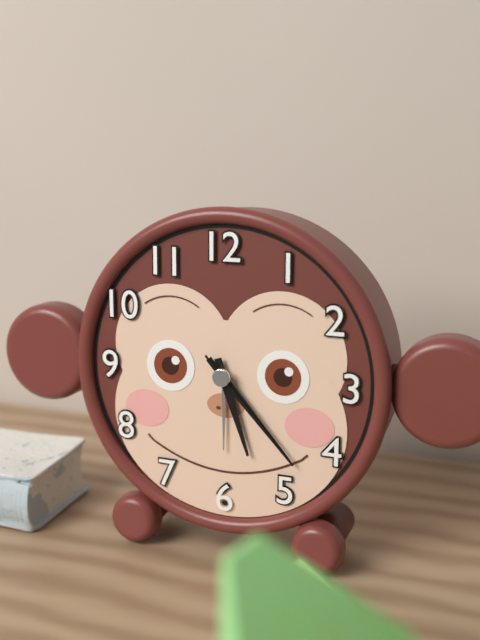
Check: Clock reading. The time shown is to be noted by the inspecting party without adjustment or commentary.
5:23:23
